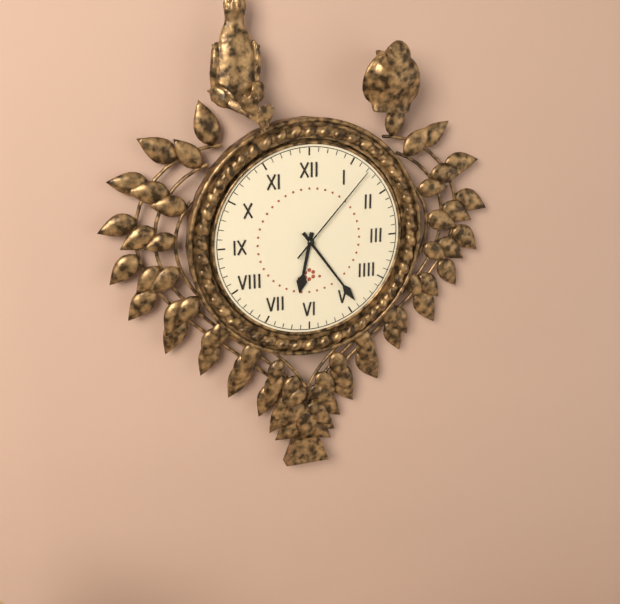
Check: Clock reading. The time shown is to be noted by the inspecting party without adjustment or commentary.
6:24:07
